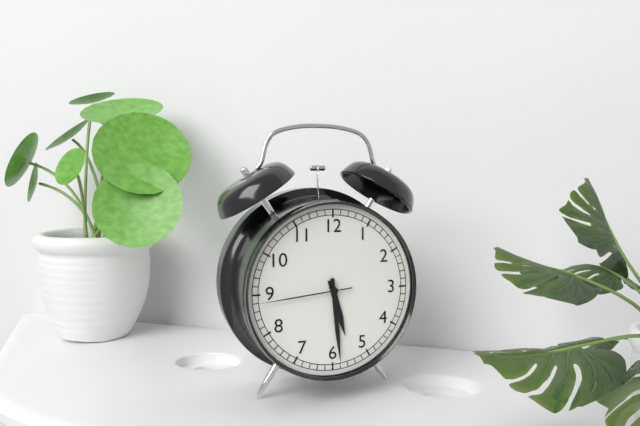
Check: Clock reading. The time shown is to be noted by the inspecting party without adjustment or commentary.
5:29:44
